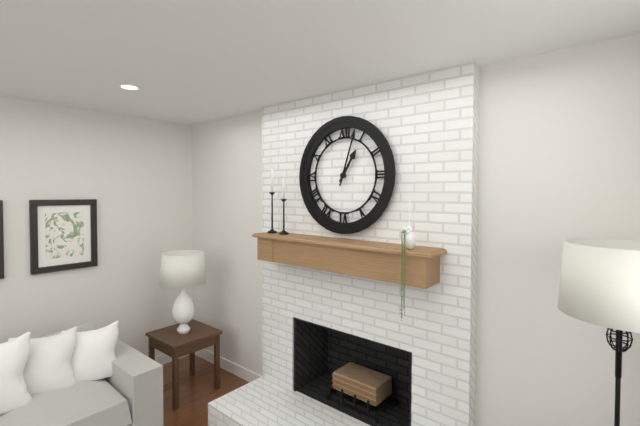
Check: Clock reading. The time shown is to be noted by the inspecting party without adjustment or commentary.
1:03
